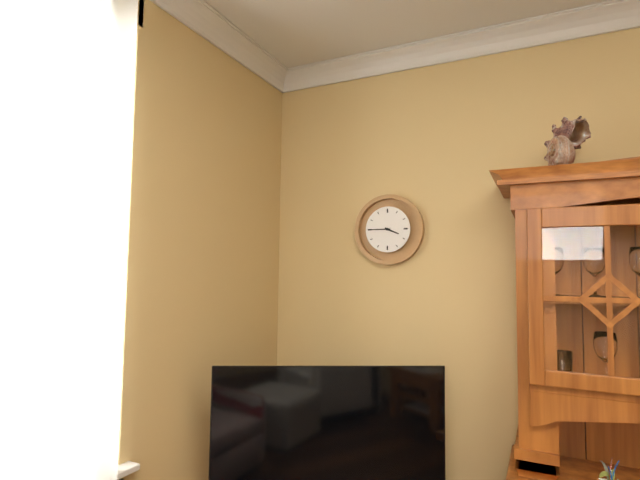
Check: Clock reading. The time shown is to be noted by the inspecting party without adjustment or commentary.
3:45
